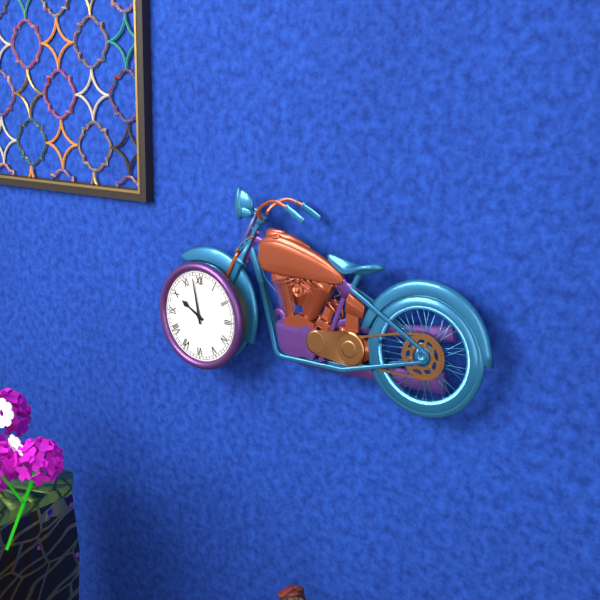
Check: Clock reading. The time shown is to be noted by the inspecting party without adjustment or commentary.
9:58
